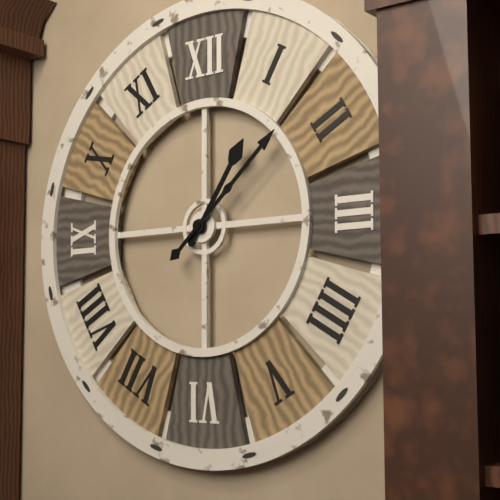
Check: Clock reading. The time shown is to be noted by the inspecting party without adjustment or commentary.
1:08
